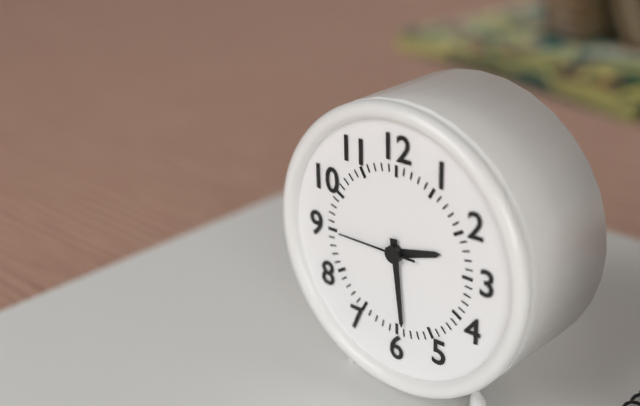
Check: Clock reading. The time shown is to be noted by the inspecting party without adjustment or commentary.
2:29:45
